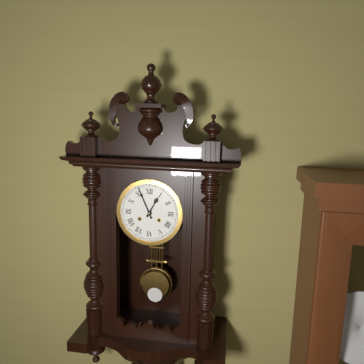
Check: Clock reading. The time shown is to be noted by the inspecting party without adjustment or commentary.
12:56
